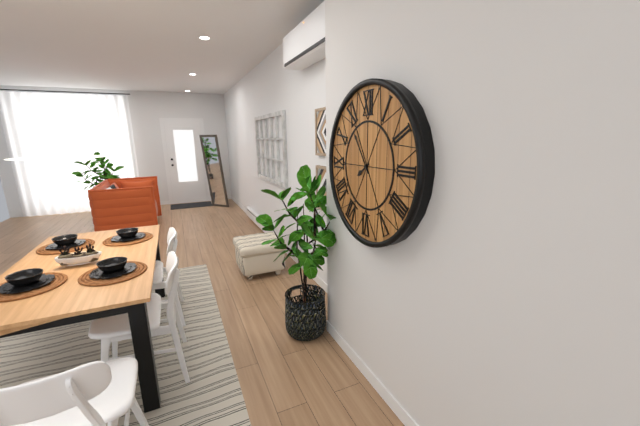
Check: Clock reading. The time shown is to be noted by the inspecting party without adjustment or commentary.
7:54
